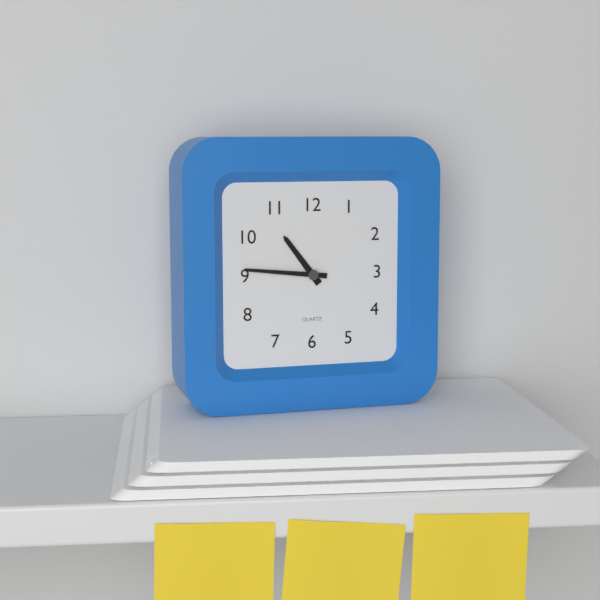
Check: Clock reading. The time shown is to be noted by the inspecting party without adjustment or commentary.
10:46
